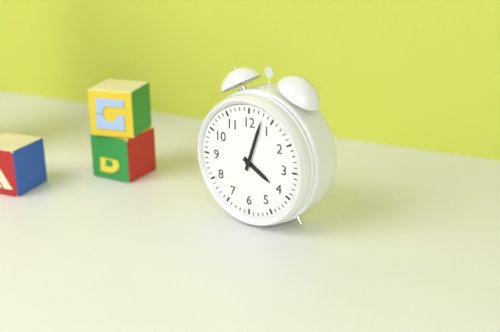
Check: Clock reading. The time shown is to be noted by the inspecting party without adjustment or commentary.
4:03
